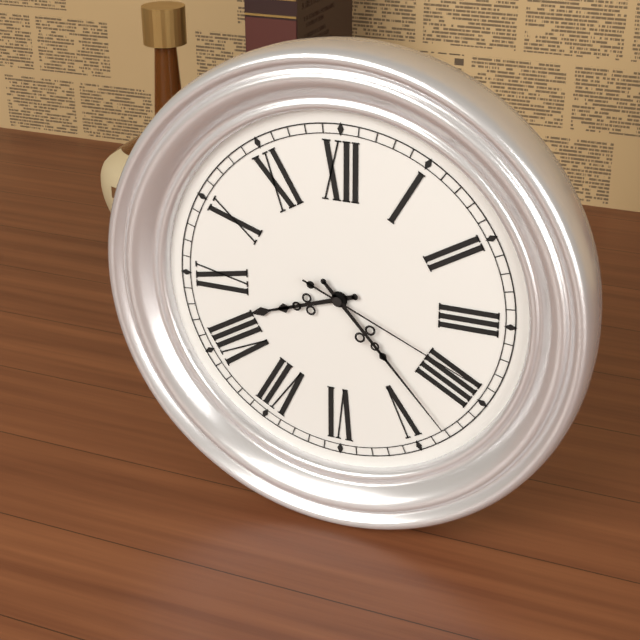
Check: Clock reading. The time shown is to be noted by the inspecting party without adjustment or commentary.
8:23:19
